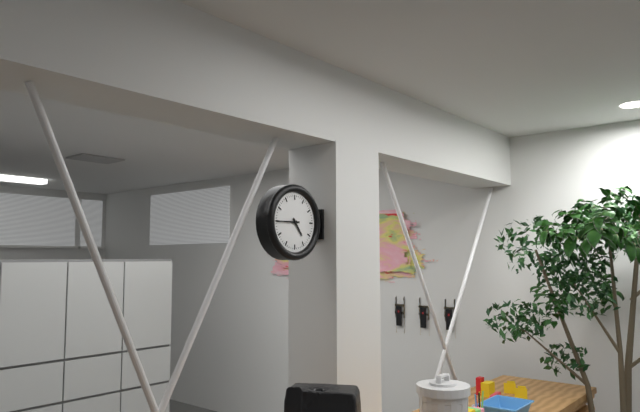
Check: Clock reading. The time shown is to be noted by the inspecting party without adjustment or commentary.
4:45
